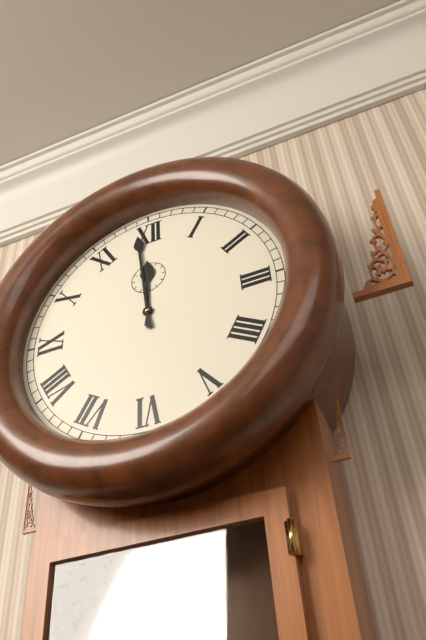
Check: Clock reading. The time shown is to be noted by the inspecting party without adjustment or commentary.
11:59
